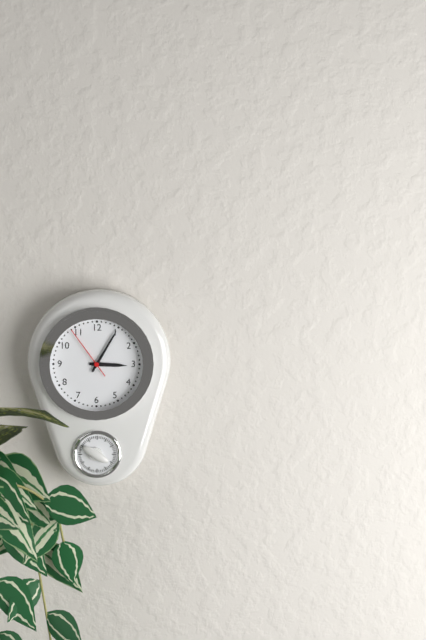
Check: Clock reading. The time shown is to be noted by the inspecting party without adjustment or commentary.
3:05:54
